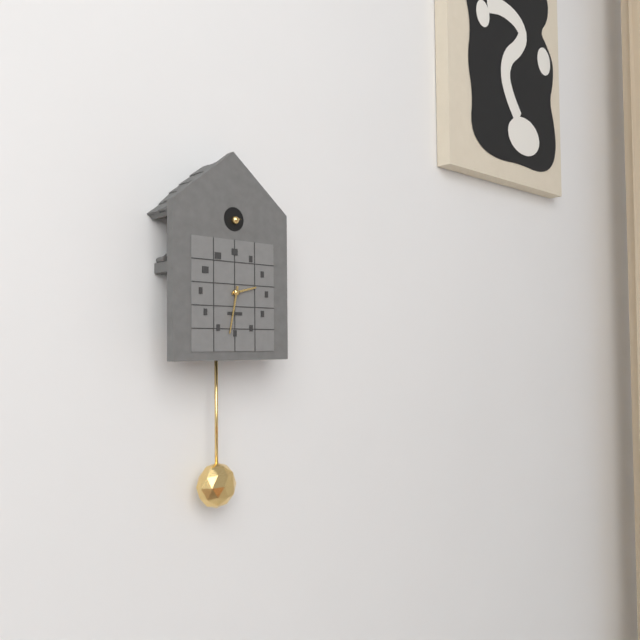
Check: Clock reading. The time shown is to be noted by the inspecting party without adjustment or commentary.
2:32
